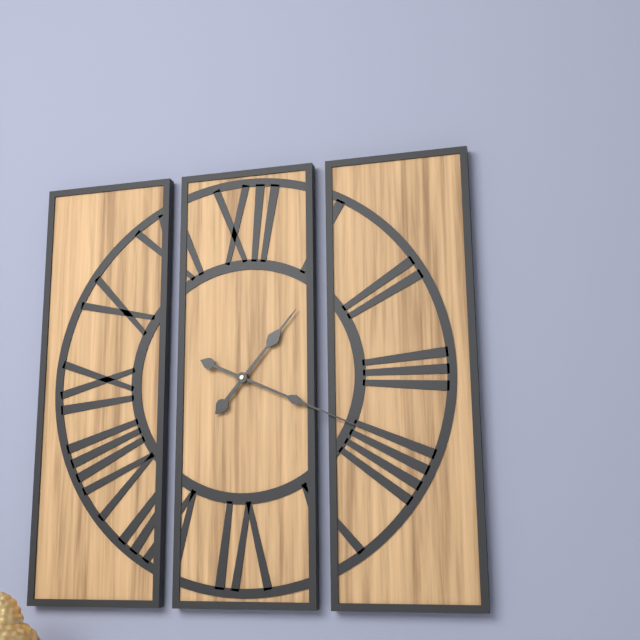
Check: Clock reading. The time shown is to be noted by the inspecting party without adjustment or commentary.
1:19
